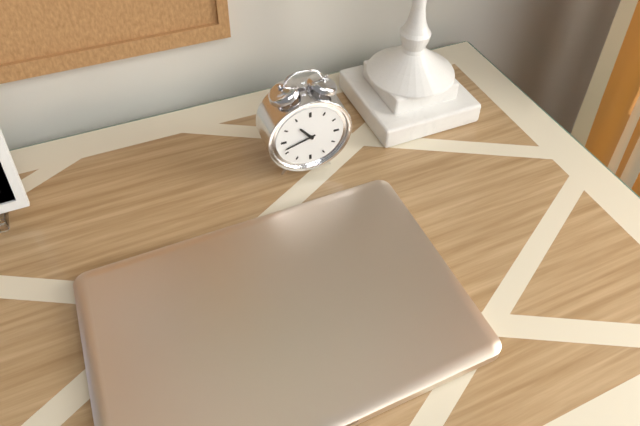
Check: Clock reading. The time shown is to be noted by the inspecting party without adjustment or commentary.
10:42
